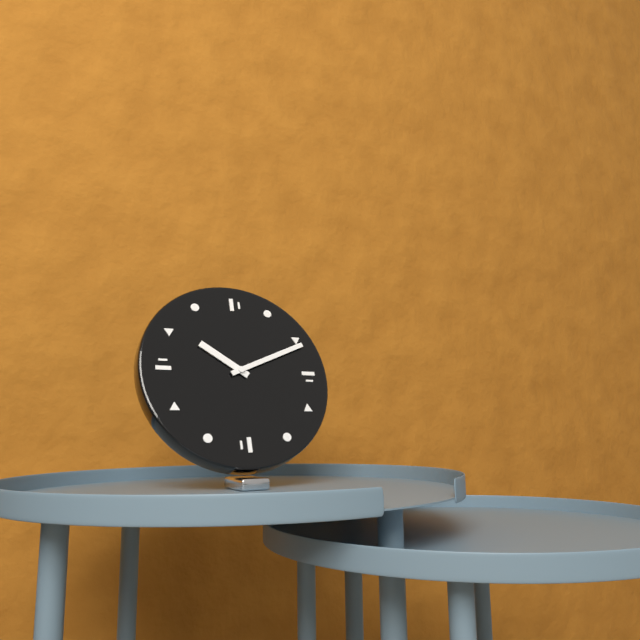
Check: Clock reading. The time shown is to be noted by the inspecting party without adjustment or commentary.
10:11
